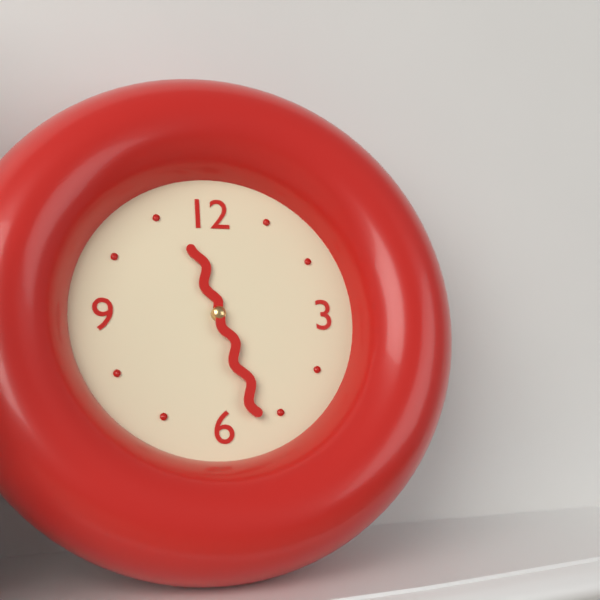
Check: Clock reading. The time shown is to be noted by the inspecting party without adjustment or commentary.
11:27
